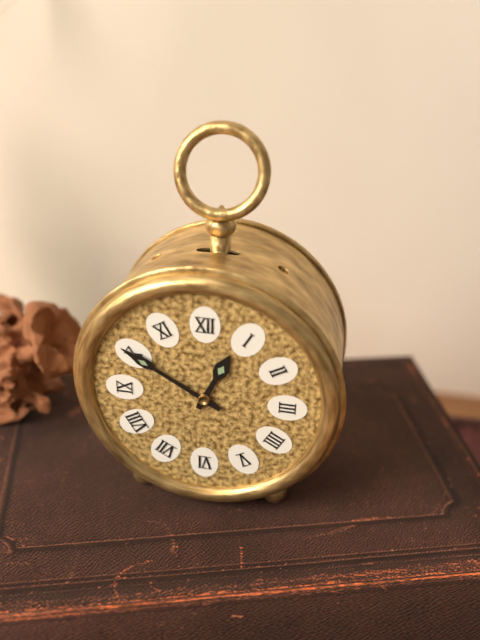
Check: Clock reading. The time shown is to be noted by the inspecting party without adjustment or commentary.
12:50
